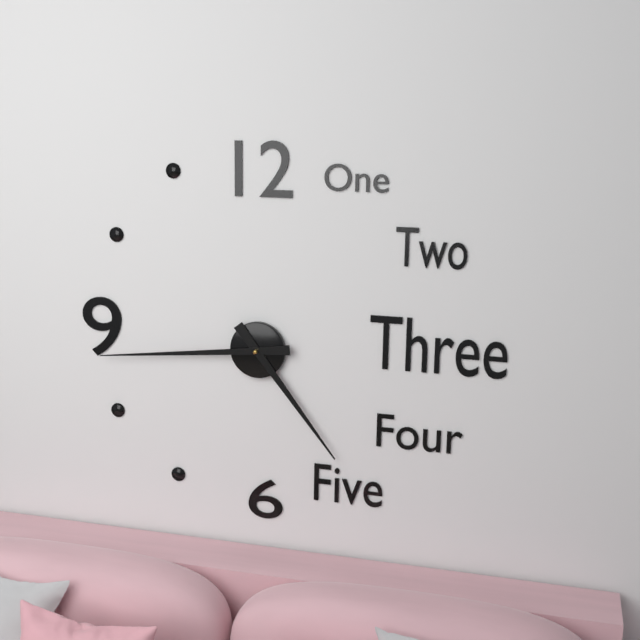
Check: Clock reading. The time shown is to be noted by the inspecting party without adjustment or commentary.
4:44
